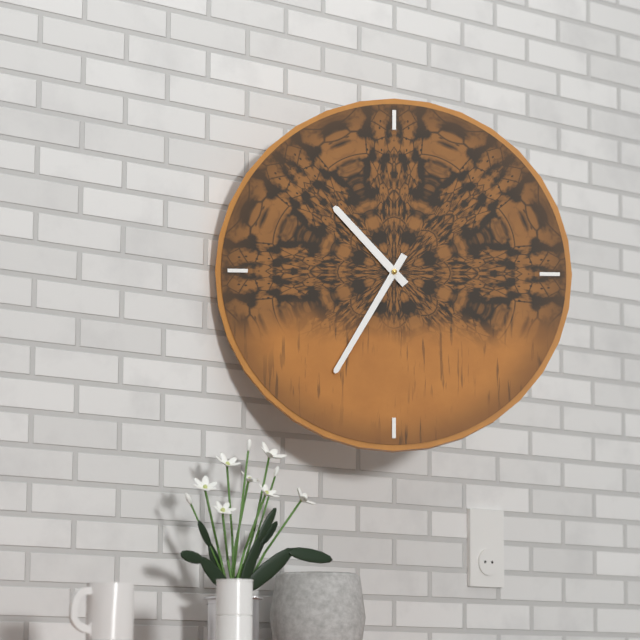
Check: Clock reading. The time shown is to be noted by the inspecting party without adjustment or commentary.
10:35
